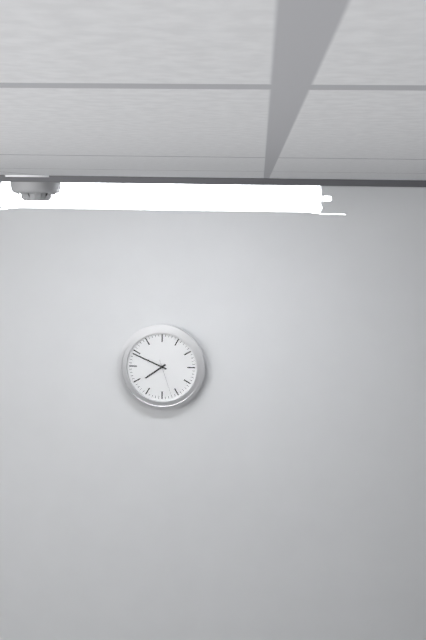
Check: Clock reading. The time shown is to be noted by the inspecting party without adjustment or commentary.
7:49
